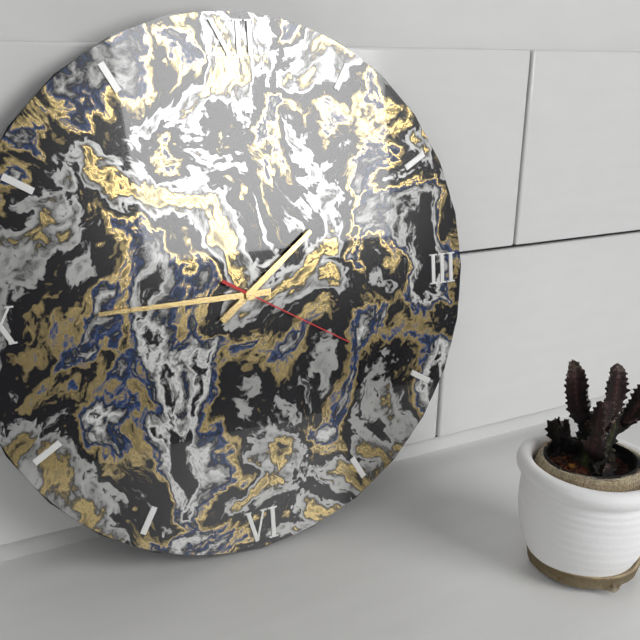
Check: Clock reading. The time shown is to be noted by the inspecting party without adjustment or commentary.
1:45:20
